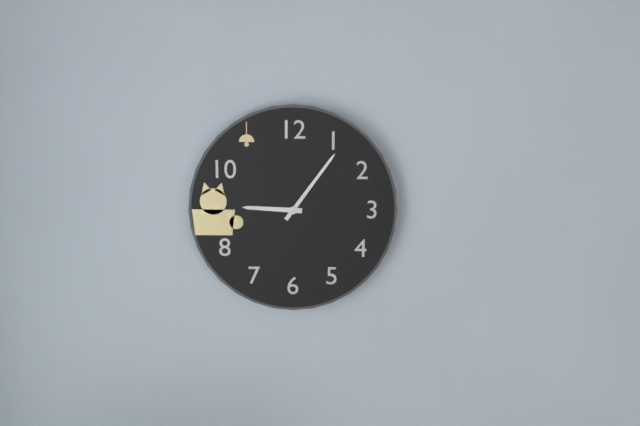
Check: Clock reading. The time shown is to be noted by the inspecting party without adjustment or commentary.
9:06
